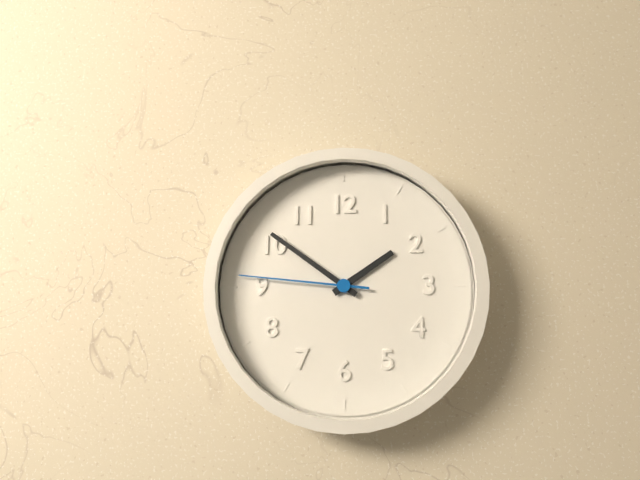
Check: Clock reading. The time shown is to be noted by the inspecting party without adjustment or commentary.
1:51:46
